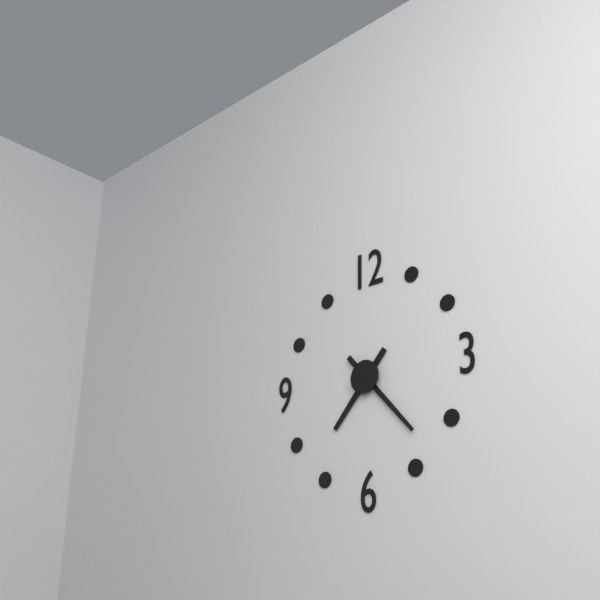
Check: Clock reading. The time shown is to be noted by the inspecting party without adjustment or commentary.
7:23
